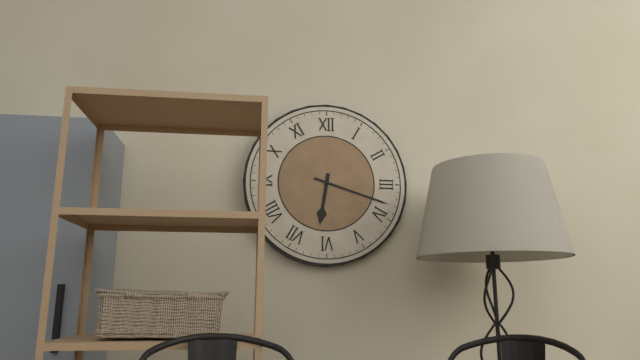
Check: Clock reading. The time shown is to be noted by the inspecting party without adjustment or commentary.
6:18
